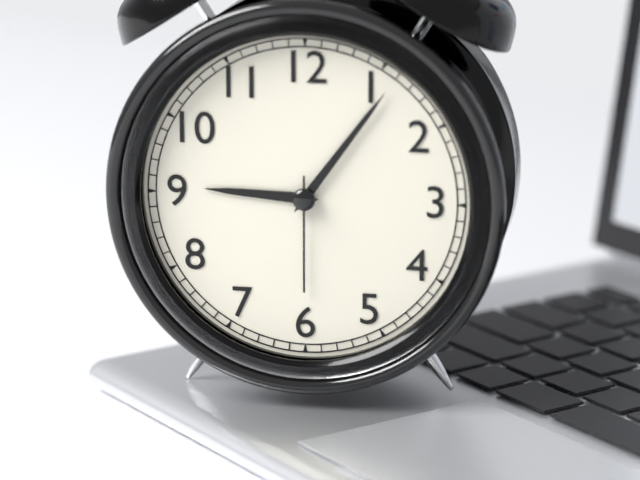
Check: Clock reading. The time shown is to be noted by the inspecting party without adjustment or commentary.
9:06:30
